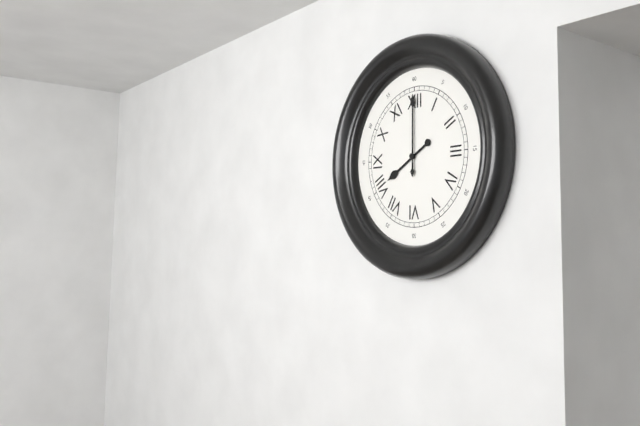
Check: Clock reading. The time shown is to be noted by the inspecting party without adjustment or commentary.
8:00
